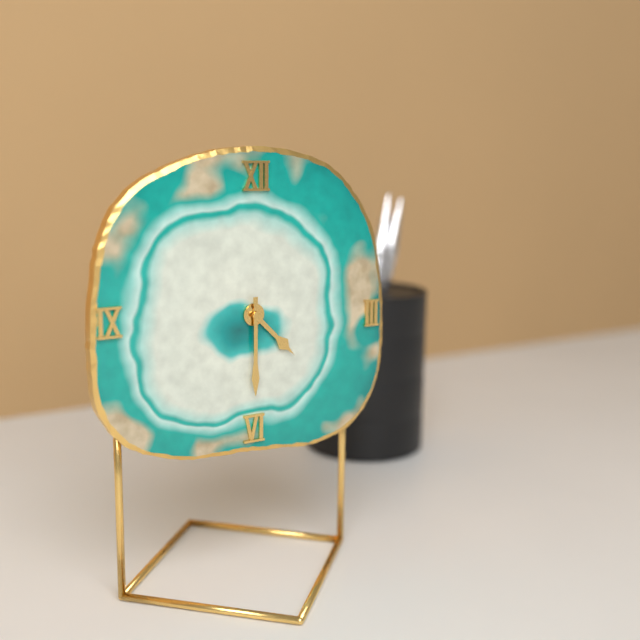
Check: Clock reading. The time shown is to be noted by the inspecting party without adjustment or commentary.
4:30
